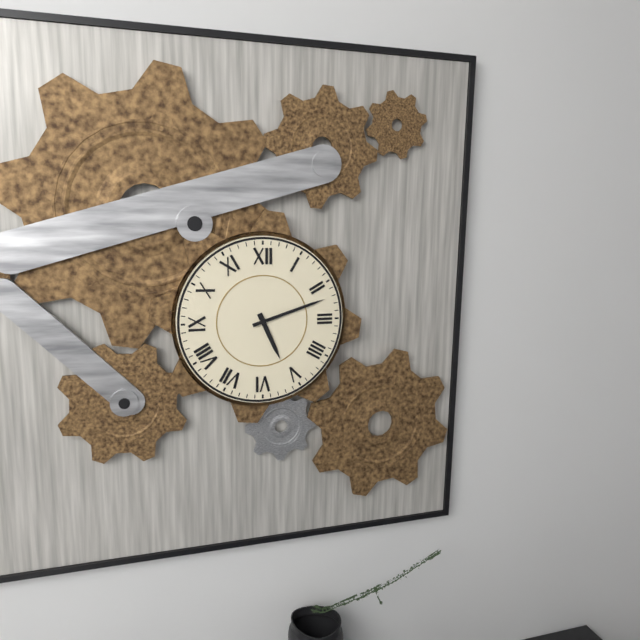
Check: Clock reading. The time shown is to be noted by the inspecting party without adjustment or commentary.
5:12
